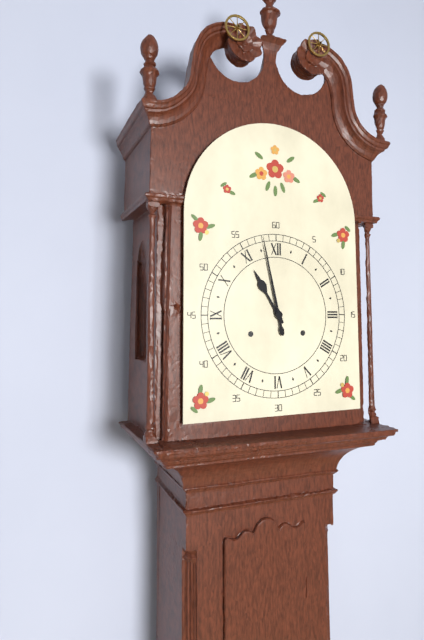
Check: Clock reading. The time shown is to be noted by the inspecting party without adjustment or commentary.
10:58
